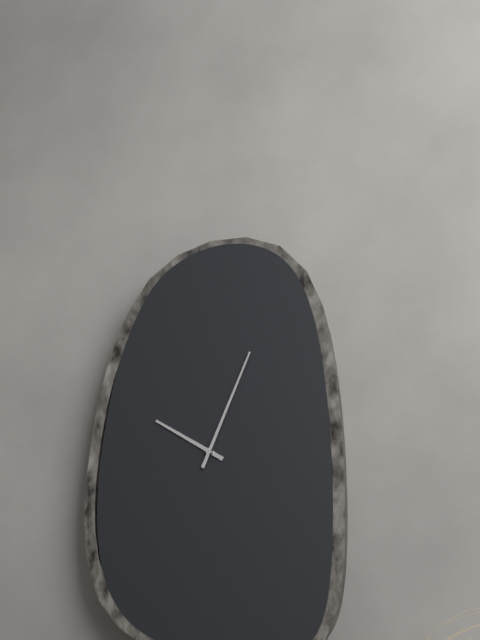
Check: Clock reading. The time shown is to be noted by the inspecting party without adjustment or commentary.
10:04
